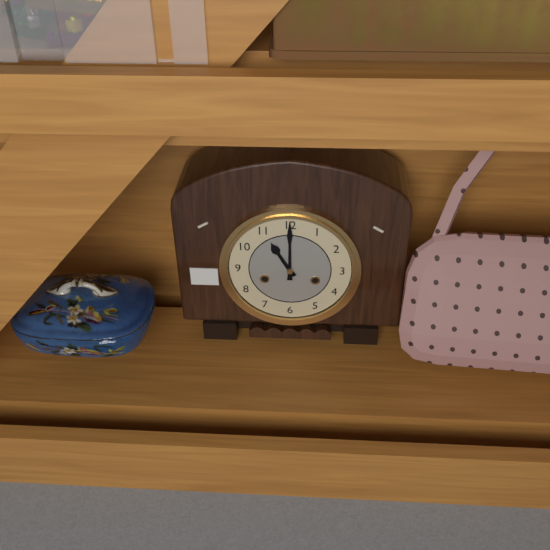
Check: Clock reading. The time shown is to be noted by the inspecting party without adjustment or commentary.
11:00
